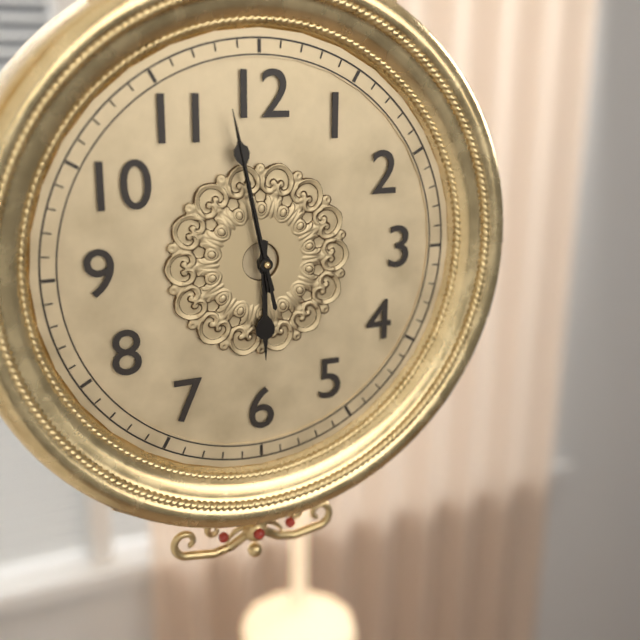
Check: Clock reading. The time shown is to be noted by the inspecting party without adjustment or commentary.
5:58:58
